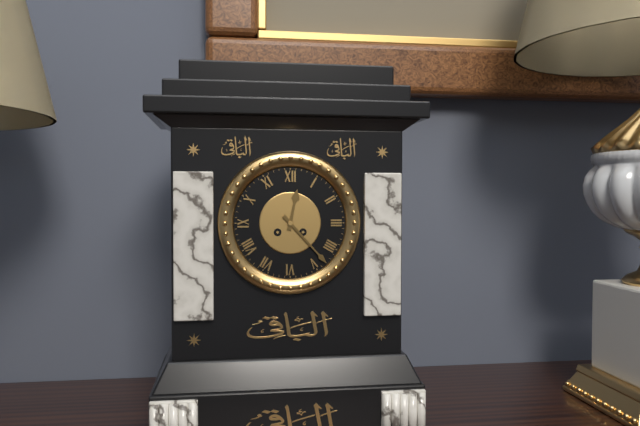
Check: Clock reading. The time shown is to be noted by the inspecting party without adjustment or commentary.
12:23
